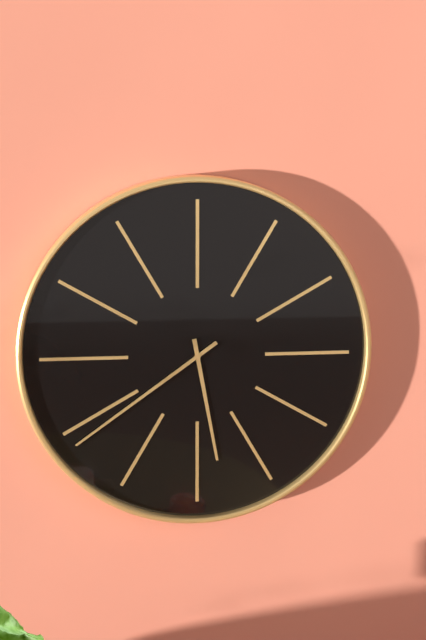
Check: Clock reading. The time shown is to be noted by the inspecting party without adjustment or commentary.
5:39
